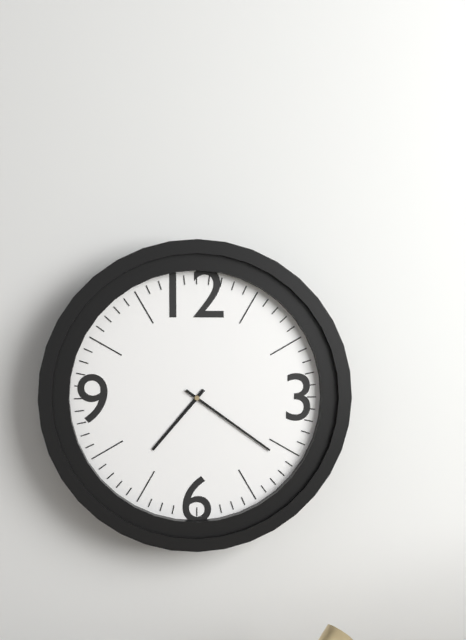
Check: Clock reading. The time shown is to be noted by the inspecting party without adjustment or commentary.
7:21
